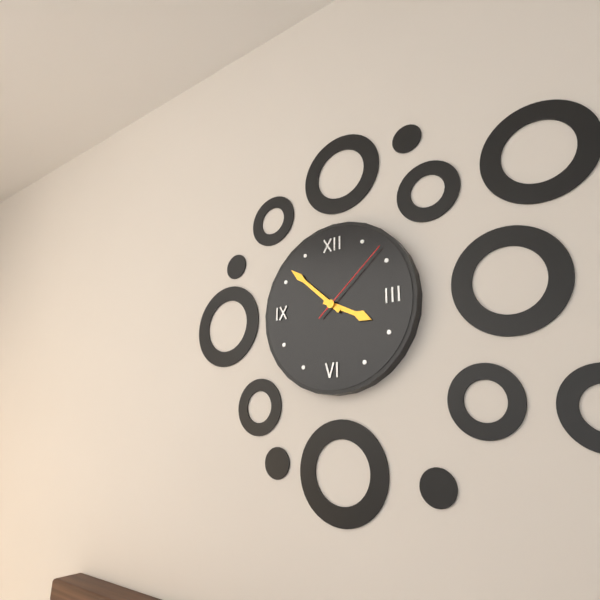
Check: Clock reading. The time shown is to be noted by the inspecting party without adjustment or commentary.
3:52:08
